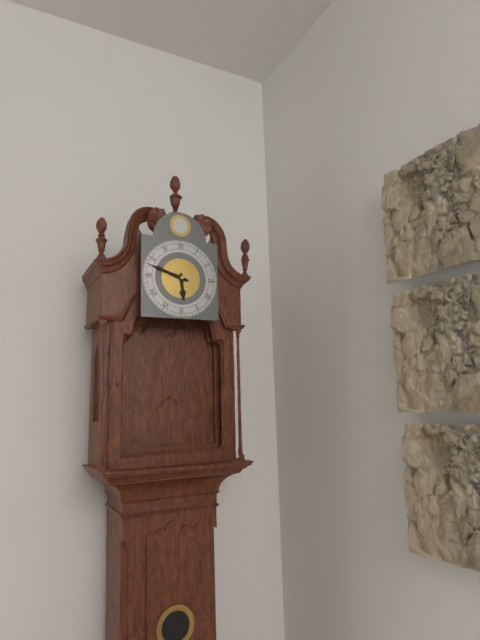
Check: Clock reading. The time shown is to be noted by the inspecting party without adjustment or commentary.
5:48
